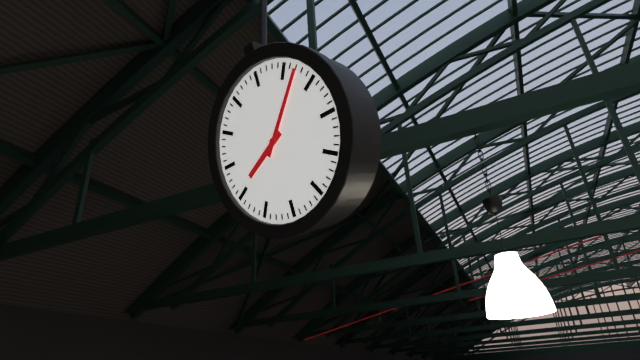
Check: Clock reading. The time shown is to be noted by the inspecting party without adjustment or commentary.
8:07
